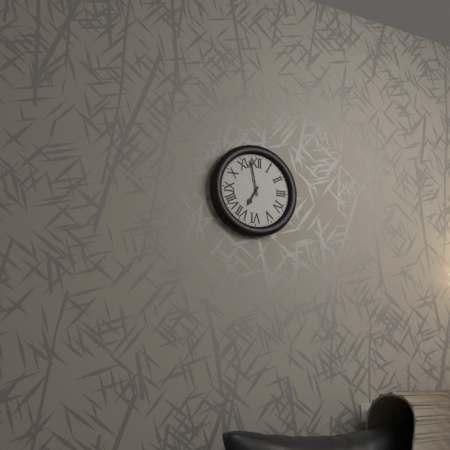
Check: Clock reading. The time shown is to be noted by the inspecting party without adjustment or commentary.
6:58
